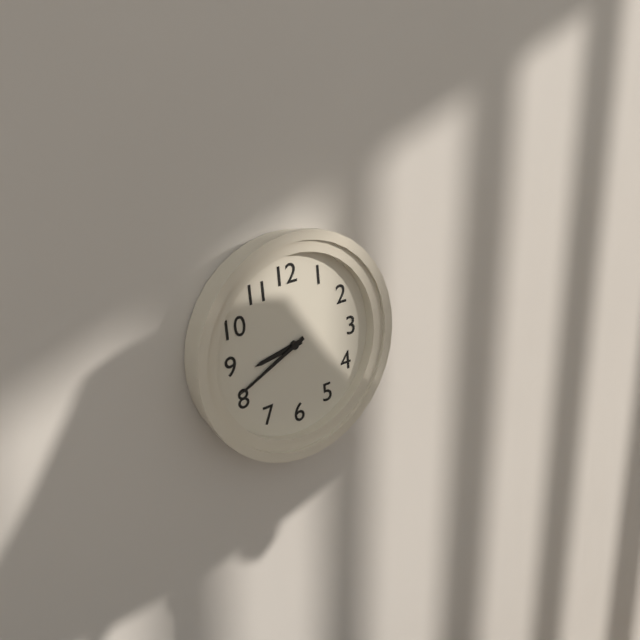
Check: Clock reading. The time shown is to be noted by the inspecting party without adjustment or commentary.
8:41
